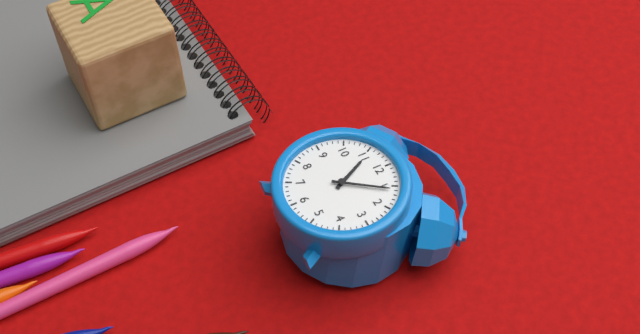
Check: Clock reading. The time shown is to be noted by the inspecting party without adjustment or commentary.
11:06
